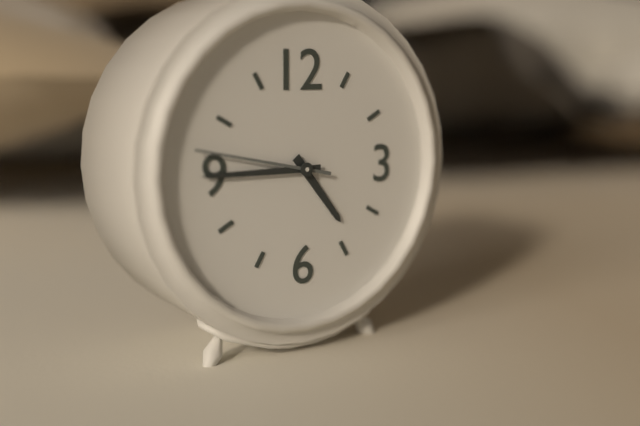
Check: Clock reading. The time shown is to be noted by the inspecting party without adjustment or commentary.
4:45:47
